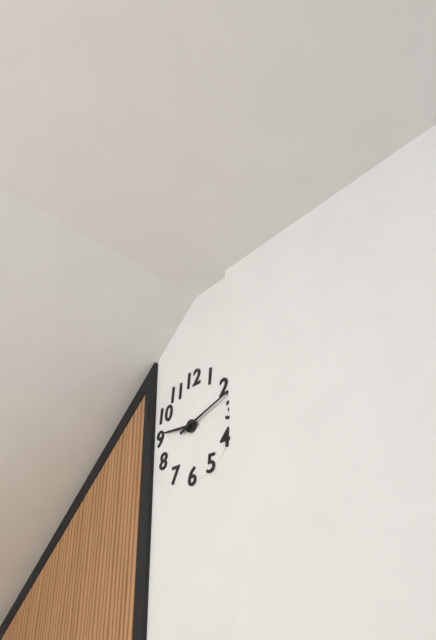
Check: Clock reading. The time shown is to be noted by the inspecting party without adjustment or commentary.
9:12
